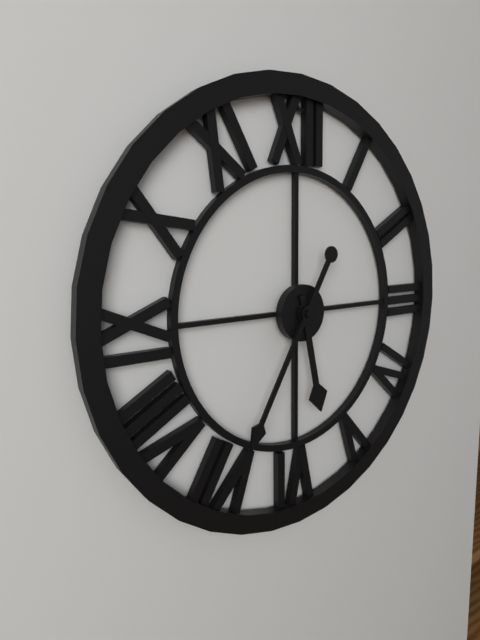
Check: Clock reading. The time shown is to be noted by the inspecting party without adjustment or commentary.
5:35
